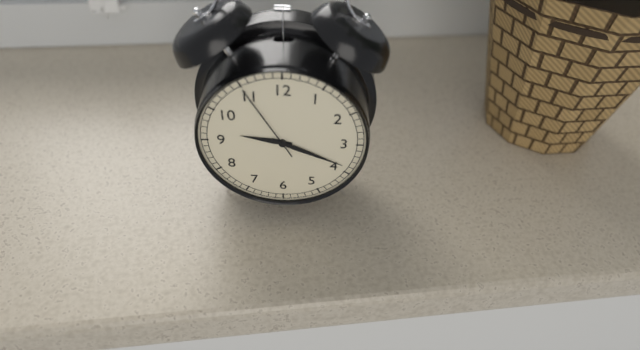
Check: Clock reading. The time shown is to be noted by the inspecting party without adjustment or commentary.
9:19:55
